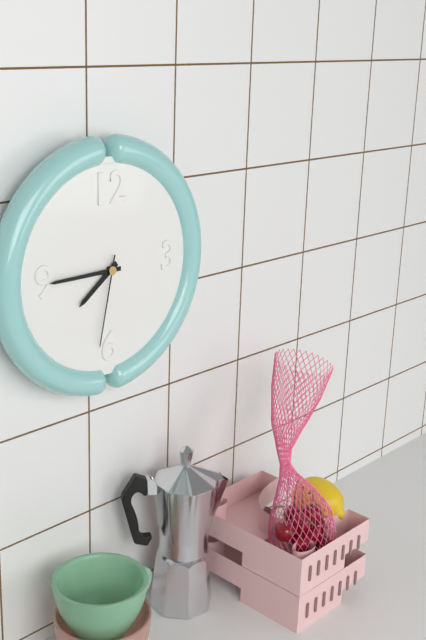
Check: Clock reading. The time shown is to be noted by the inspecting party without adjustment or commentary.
7:45:32
